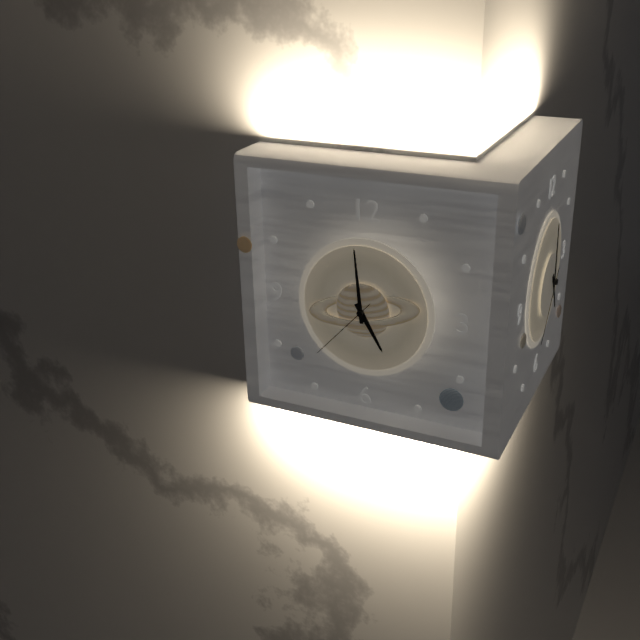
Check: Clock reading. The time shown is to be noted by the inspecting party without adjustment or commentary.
4:59:37
